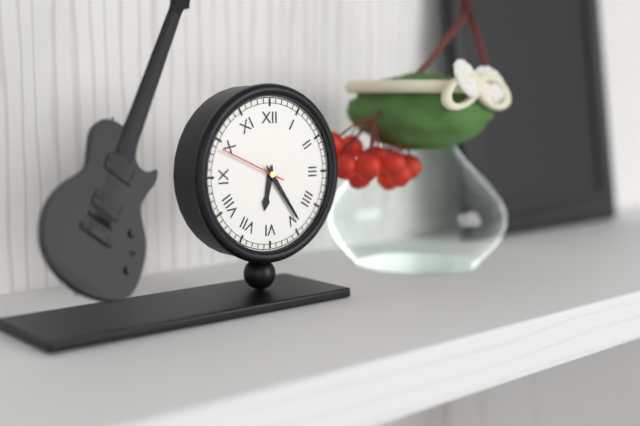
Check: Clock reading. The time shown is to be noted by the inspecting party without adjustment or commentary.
6:24:49
